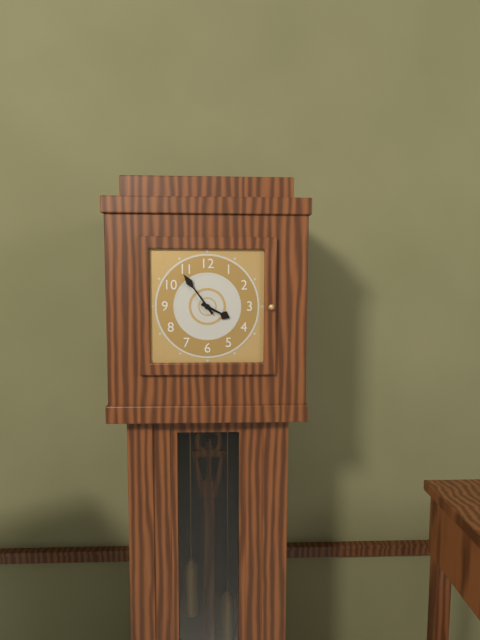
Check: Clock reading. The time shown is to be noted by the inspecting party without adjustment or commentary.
3:54
